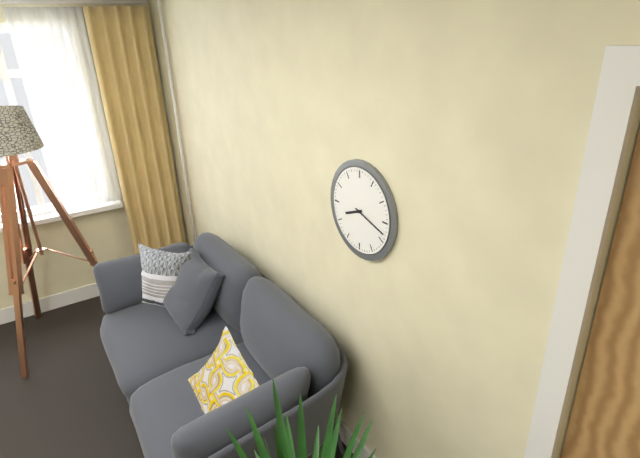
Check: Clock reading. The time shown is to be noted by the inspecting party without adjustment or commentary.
8:18
